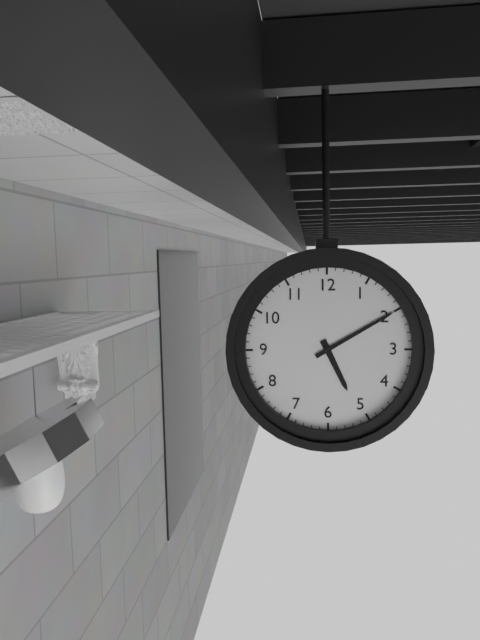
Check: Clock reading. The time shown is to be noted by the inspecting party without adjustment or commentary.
5:10
